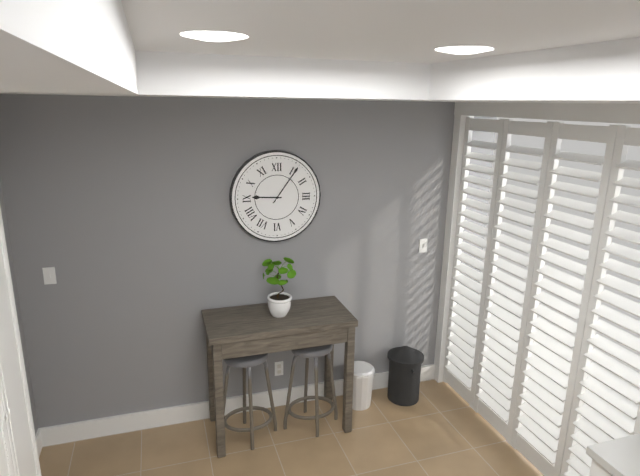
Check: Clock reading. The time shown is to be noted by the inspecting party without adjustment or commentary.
9:06
